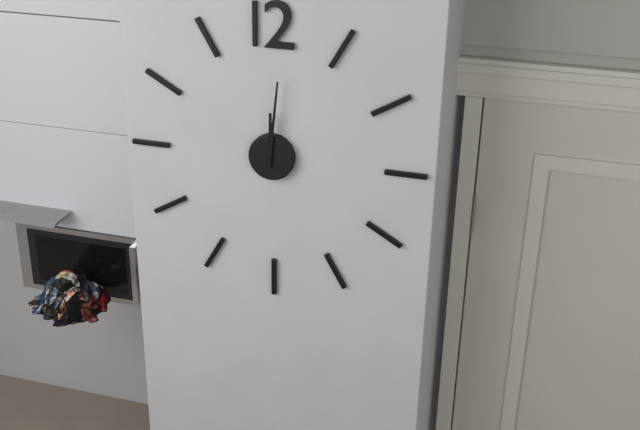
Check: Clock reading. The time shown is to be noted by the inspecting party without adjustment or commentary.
12:01
